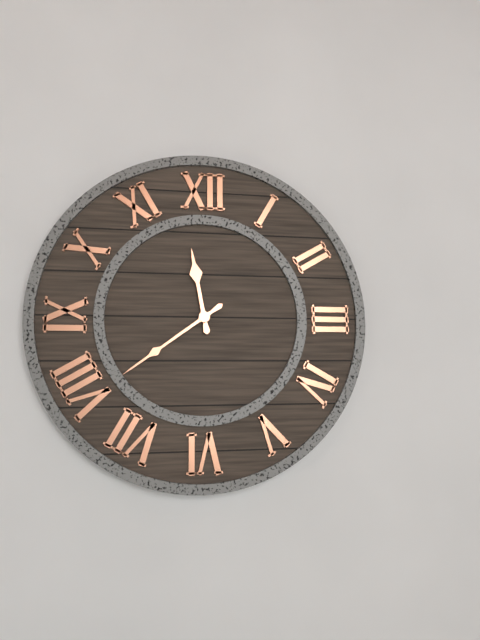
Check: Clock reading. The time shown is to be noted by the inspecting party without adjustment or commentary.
11:39
